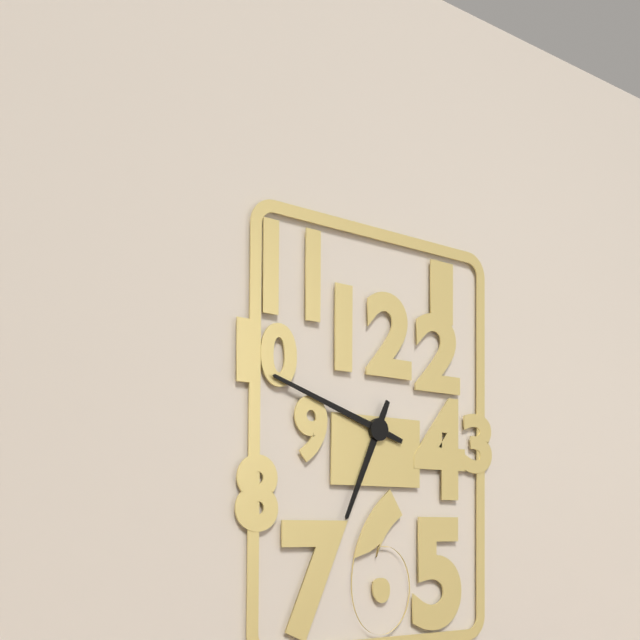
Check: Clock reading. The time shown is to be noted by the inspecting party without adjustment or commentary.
6:48
